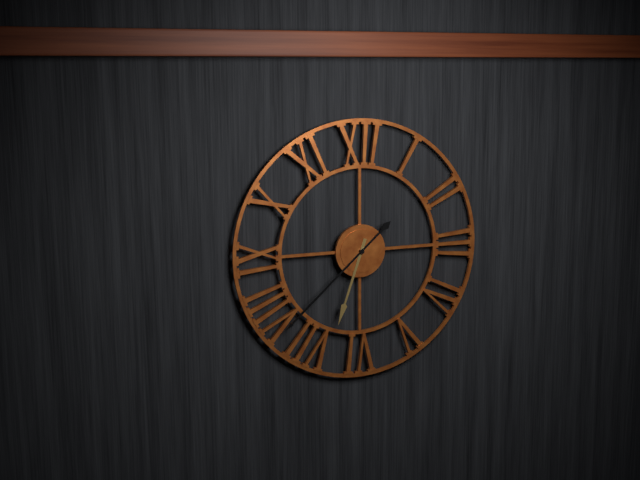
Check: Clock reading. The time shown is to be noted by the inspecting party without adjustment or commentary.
6:38
